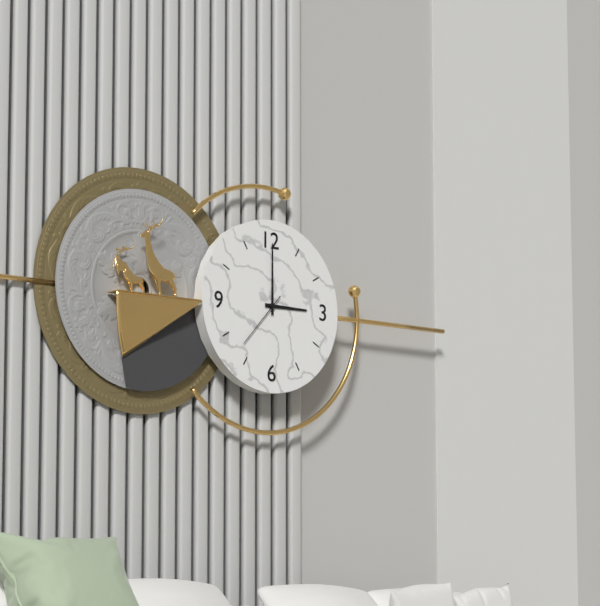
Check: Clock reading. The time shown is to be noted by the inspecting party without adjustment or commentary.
3:00:37
